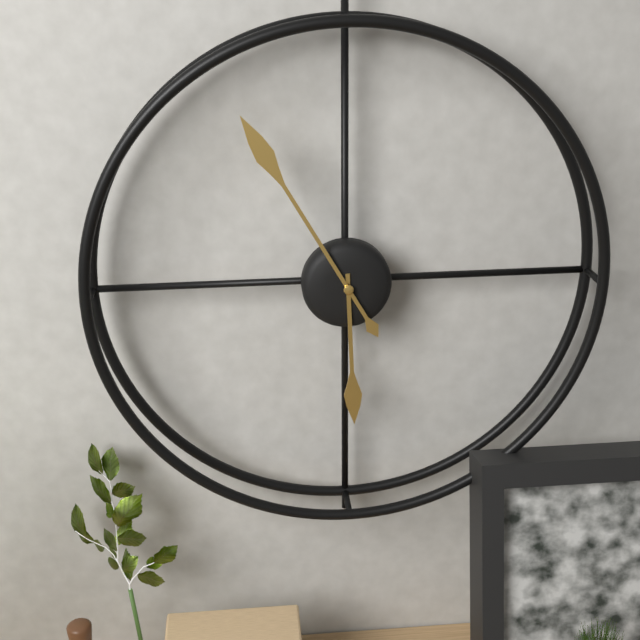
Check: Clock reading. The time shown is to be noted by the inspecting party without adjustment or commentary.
5:55
